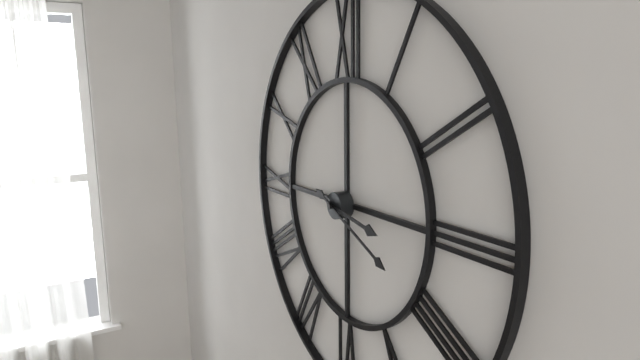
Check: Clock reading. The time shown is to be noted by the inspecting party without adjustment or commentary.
3:19
